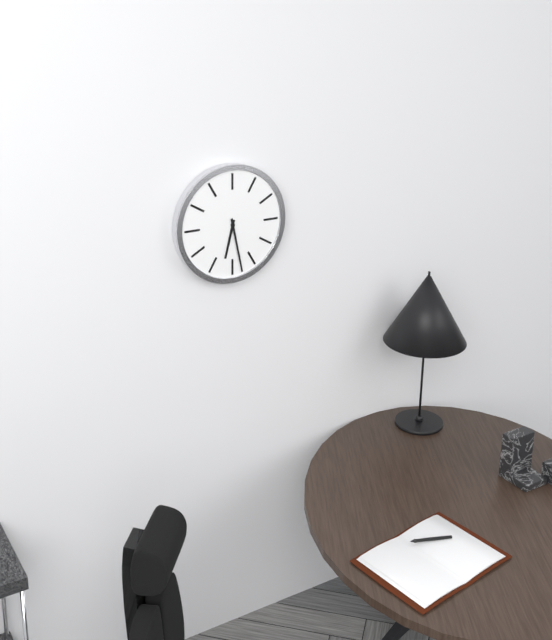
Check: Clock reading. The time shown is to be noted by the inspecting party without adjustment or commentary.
6:28
